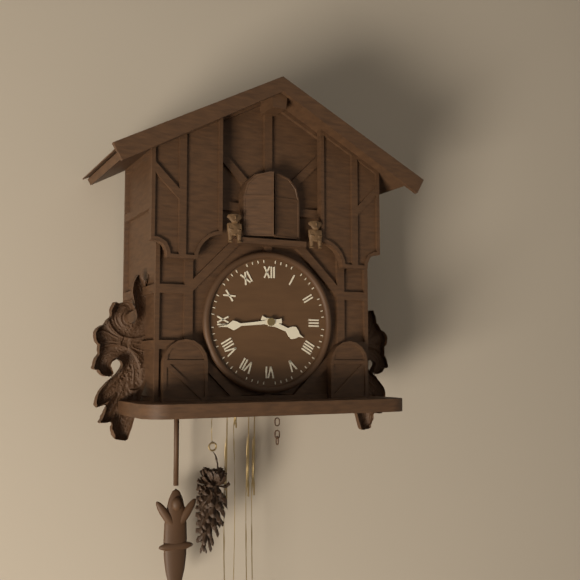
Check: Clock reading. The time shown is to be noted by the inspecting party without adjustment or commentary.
3:44
